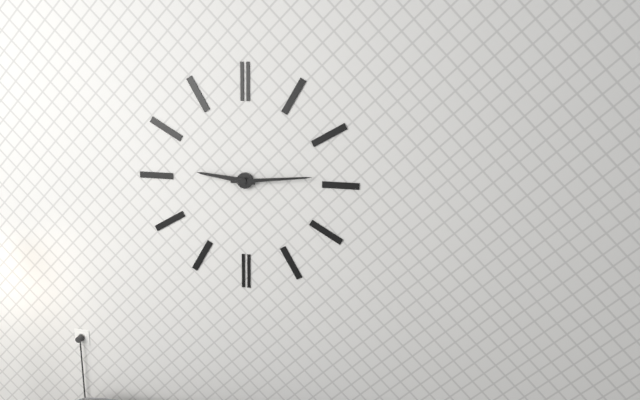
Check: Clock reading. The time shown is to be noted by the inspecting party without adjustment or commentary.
9:14
